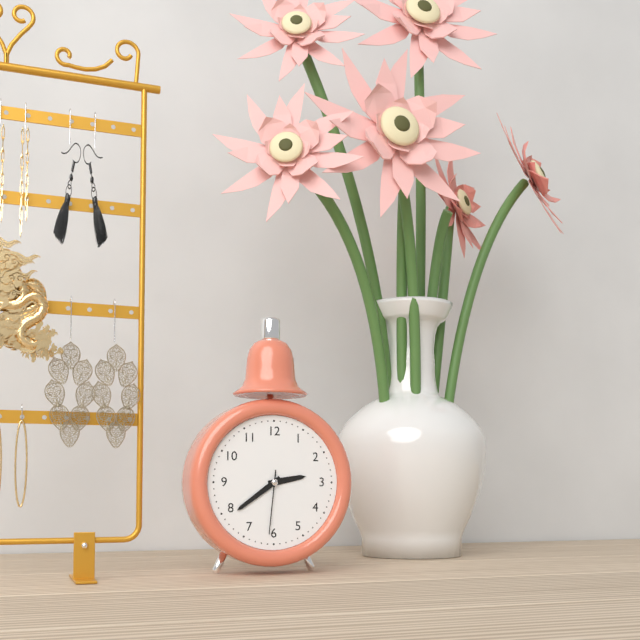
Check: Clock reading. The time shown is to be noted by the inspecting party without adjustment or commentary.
2:39:31
